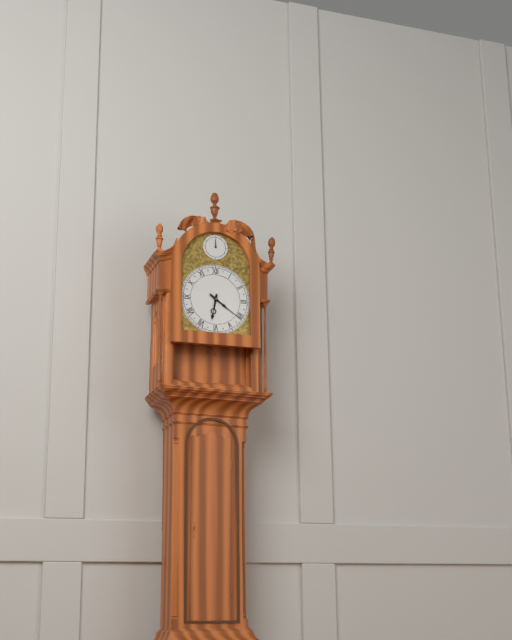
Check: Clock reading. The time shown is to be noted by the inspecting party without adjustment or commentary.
6:21
